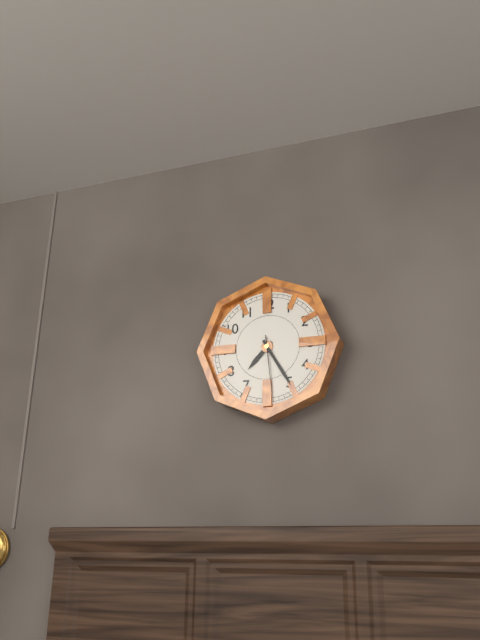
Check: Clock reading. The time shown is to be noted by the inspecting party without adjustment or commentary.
7:25:29
